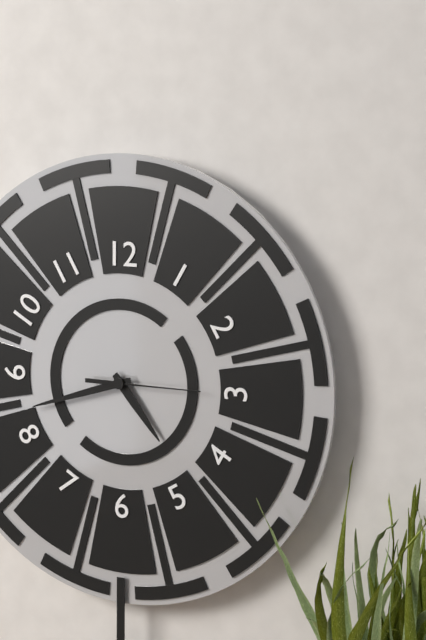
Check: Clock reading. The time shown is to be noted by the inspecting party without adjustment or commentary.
4:42:15
